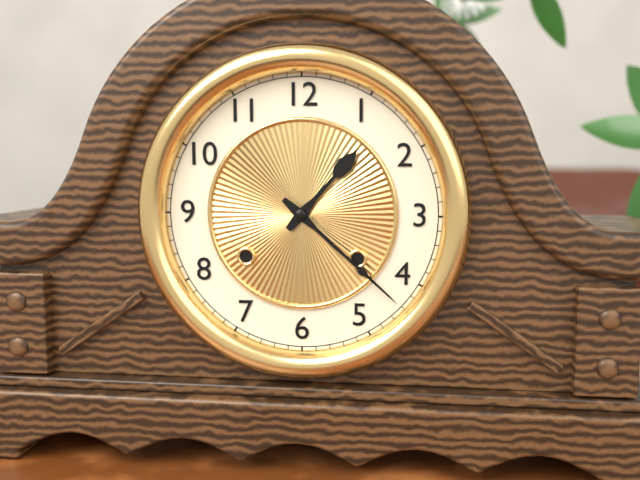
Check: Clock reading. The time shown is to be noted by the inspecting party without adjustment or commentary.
1:22
